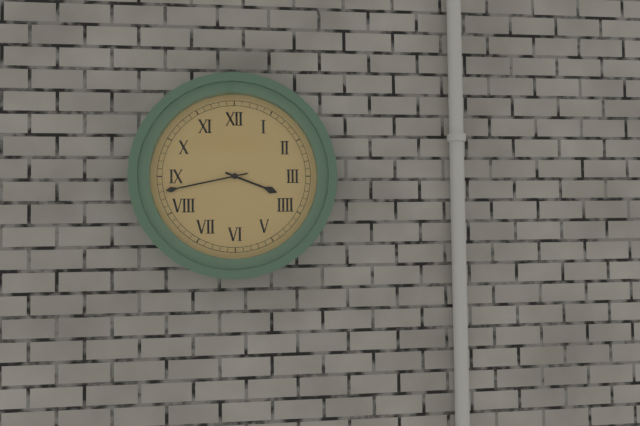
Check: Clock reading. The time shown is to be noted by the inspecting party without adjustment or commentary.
3:43
